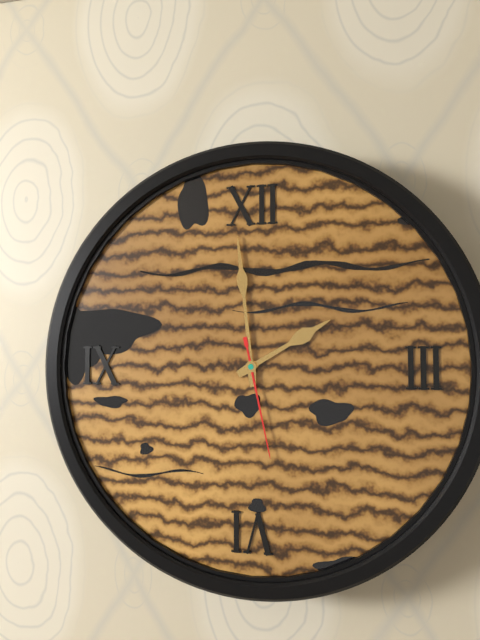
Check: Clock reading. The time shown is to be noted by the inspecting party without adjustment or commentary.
1:59:28
